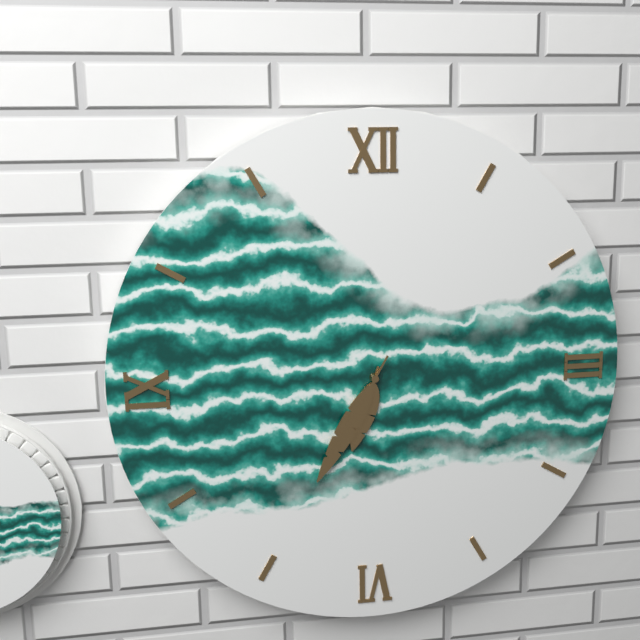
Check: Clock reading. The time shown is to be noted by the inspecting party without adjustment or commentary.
6:35
